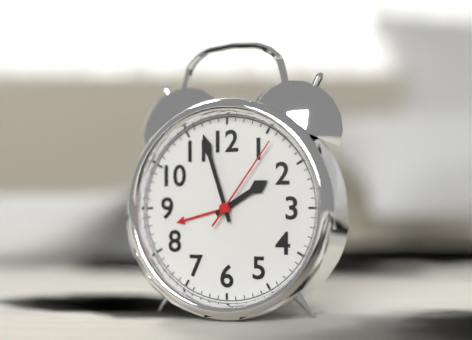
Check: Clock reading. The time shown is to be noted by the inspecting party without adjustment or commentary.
1:57:06
